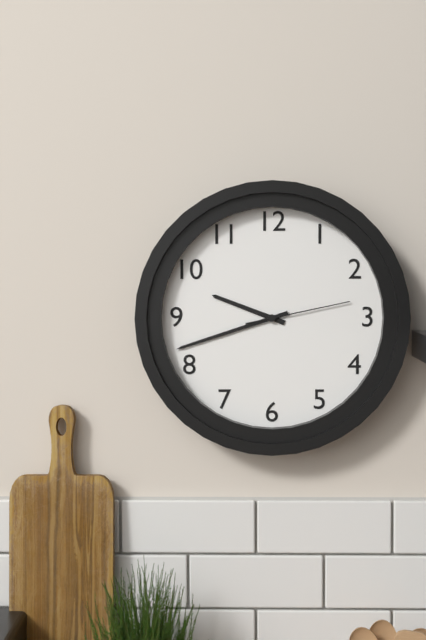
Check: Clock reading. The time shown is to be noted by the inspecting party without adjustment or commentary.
9:42:13
